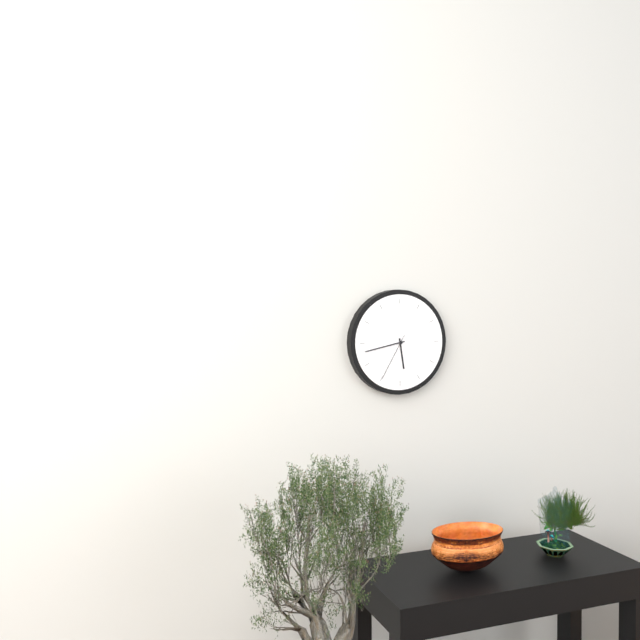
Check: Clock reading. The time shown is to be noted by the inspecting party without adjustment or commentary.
5:43:35
